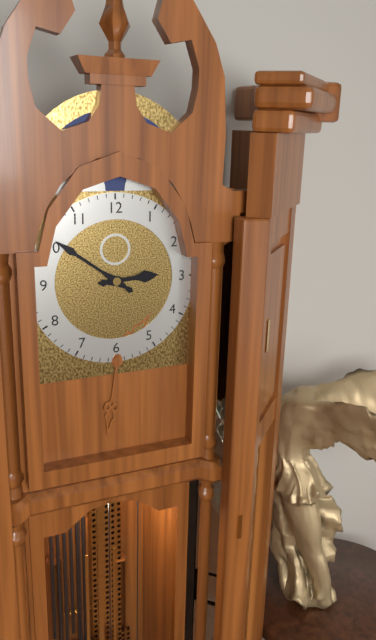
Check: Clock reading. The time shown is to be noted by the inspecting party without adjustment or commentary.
2:51
